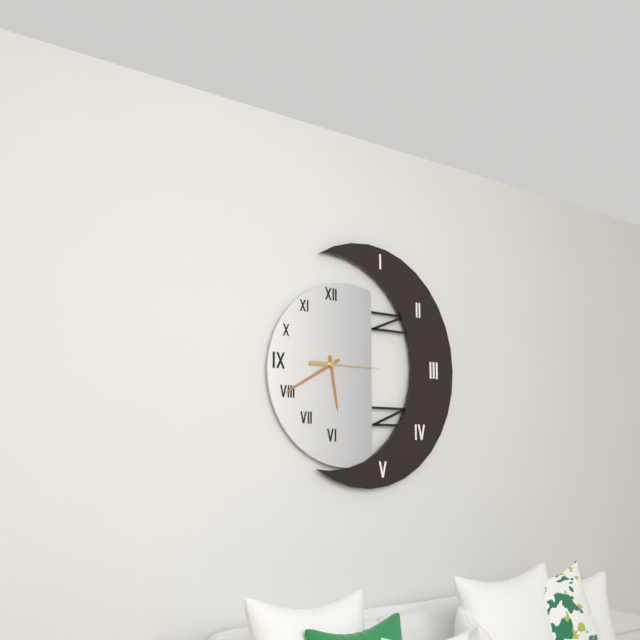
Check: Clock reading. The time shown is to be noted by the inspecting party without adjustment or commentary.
5:40:15
